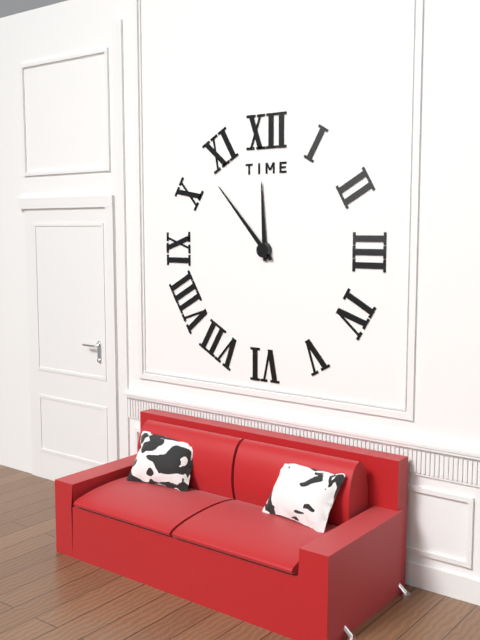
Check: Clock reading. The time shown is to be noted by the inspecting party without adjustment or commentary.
11:53
